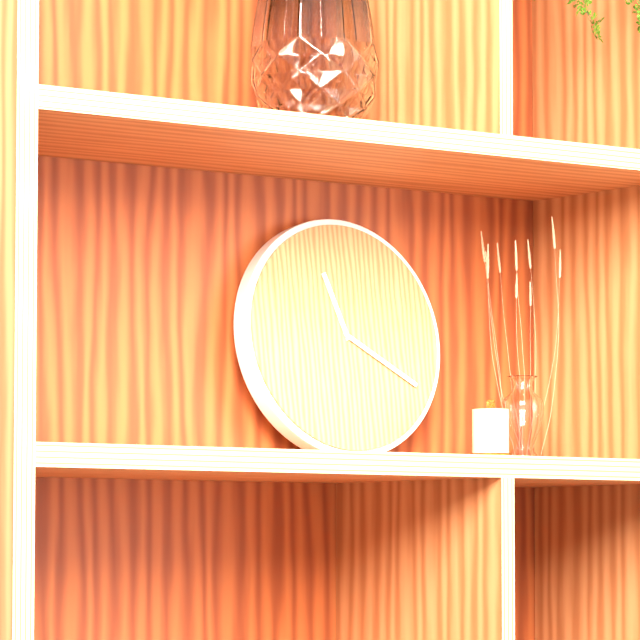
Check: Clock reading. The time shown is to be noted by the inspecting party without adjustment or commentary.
11:20
